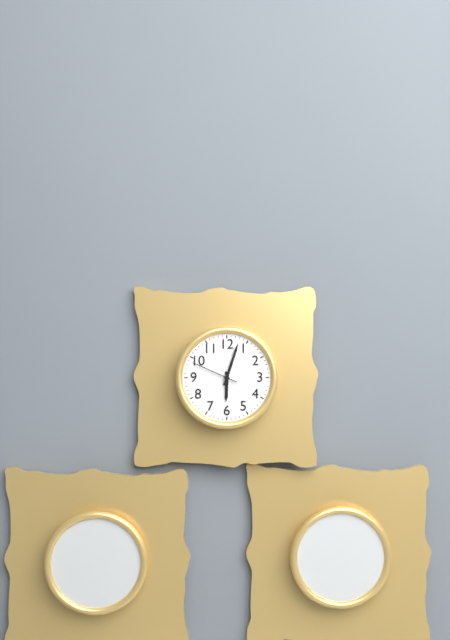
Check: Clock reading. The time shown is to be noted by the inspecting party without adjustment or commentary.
6:03
